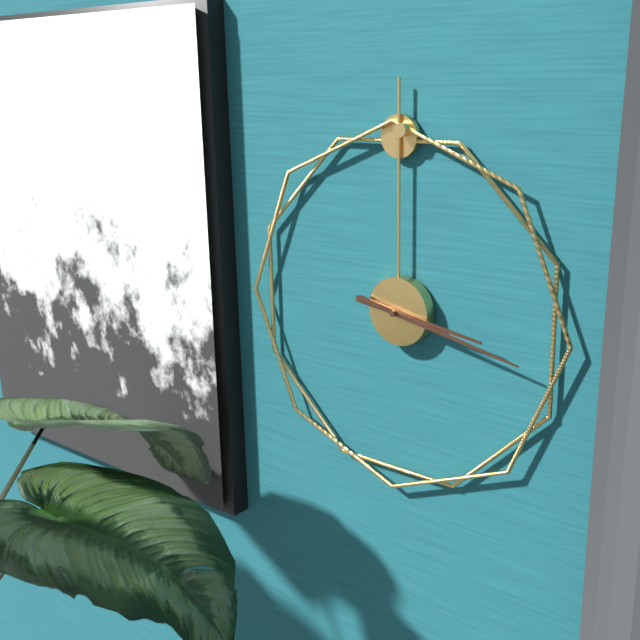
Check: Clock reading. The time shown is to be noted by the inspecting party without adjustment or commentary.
3:17
